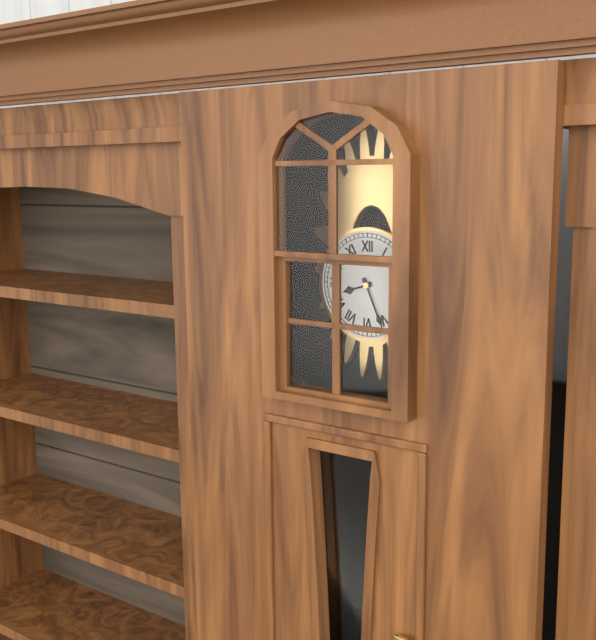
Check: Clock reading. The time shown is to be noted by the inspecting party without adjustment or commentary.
8:26
